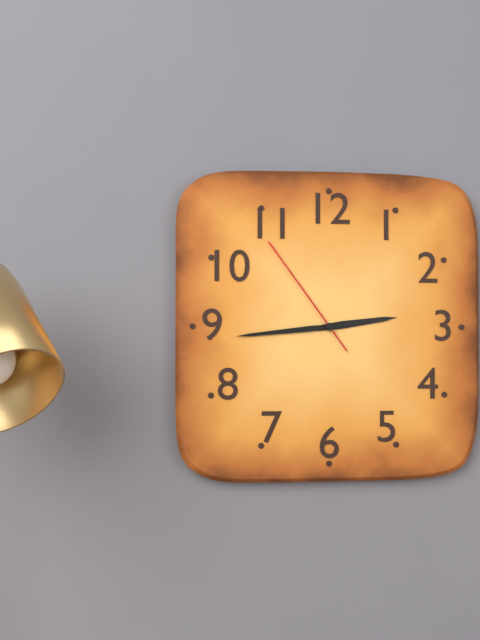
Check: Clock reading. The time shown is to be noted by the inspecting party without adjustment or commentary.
2:44:54
